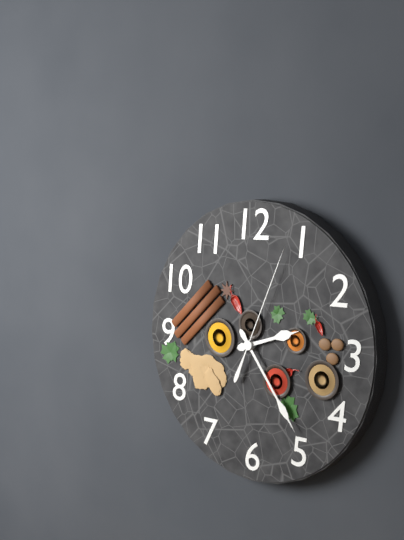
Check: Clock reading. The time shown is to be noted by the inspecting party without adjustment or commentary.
2:24:04
